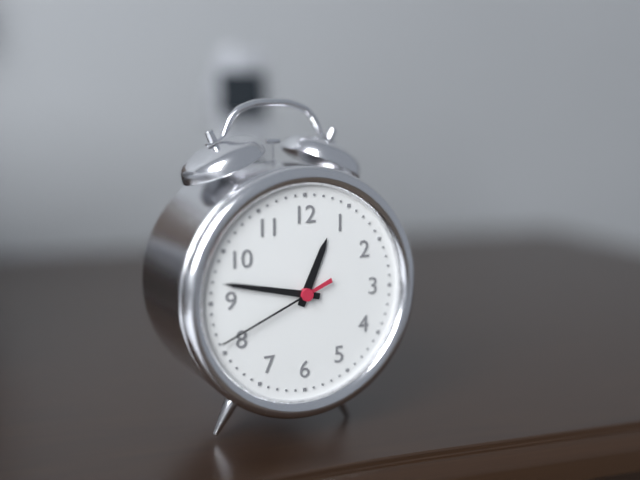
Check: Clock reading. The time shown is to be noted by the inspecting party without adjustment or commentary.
12:47:41
